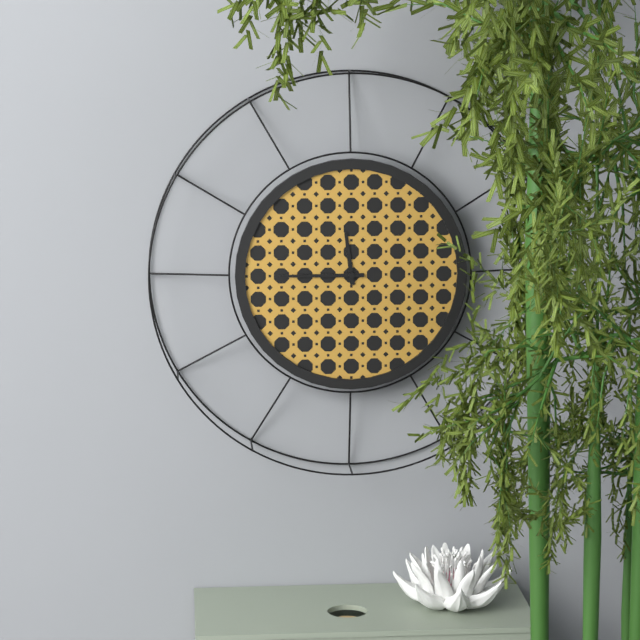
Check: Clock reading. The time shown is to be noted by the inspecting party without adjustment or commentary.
11:45
